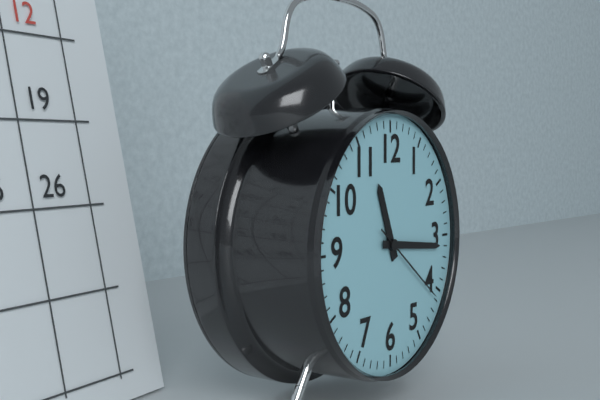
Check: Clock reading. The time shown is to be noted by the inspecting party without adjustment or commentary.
11:16:21
